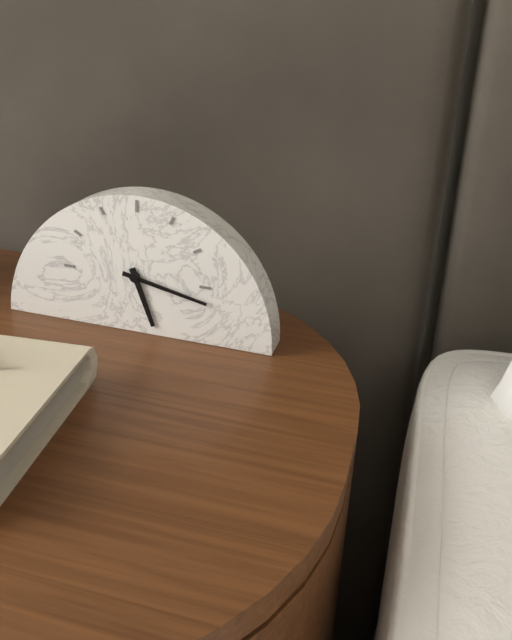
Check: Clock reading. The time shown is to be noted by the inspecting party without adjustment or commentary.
5:17
